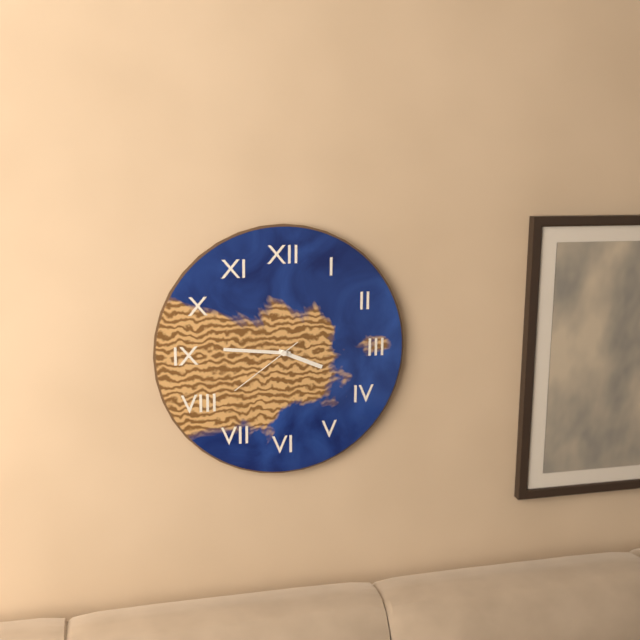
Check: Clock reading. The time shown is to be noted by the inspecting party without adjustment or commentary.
3:46:39
